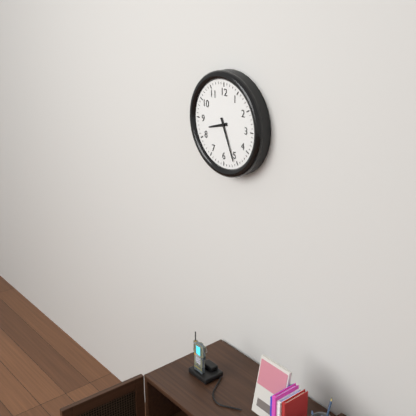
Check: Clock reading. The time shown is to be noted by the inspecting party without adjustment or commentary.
8:26
